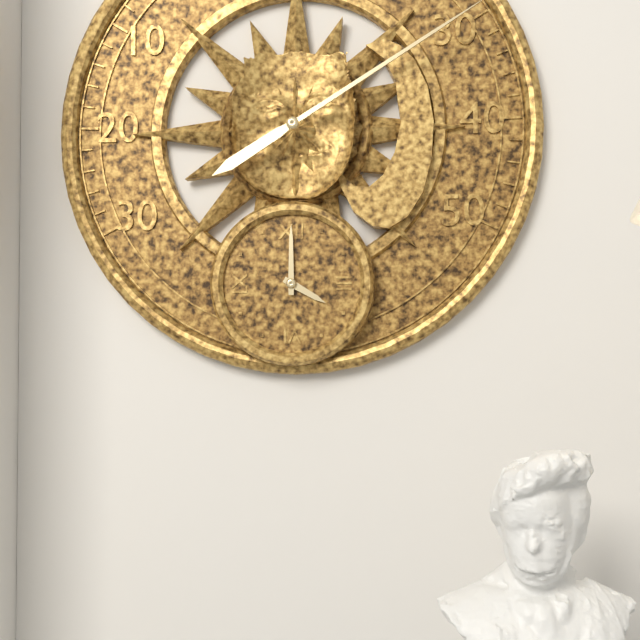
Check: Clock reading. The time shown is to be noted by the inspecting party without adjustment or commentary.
4:00
